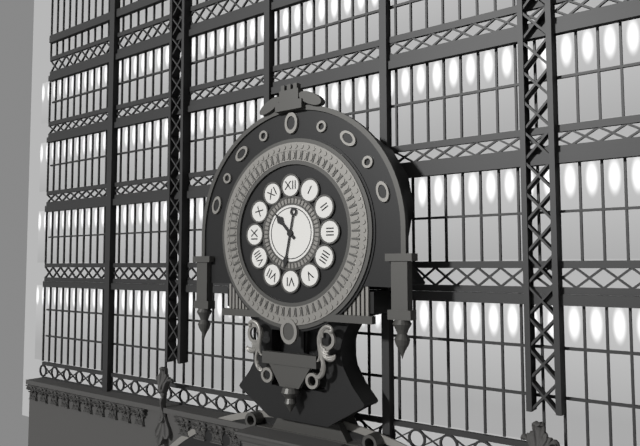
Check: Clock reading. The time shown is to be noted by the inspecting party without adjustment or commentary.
10:32
